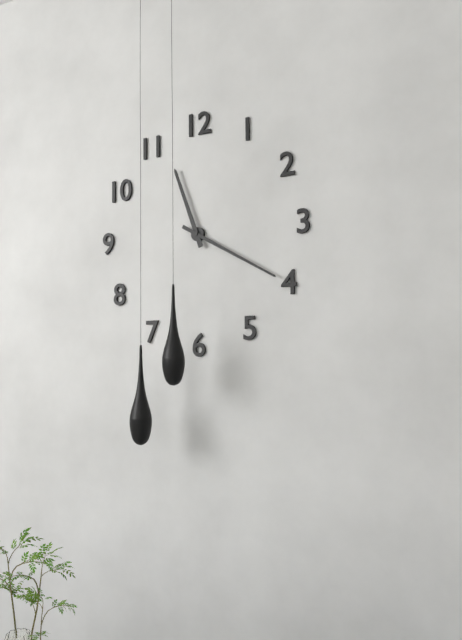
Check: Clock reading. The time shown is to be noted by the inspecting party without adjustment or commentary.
11:20
